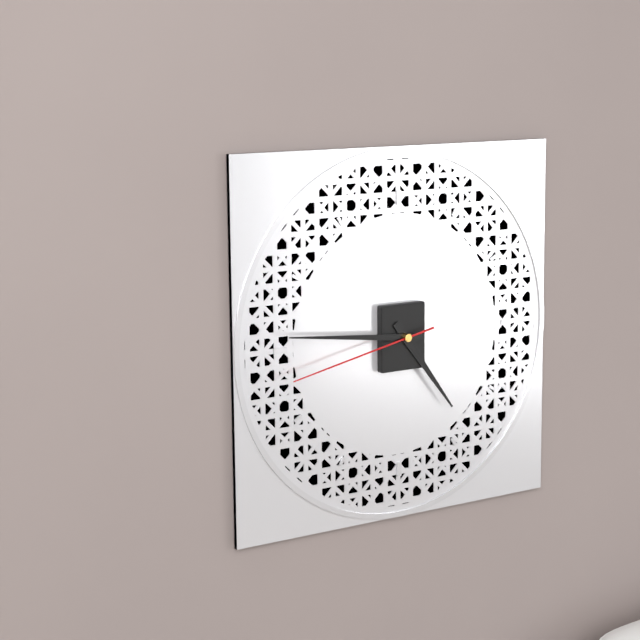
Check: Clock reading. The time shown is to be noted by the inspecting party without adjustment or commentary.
4:46:43
